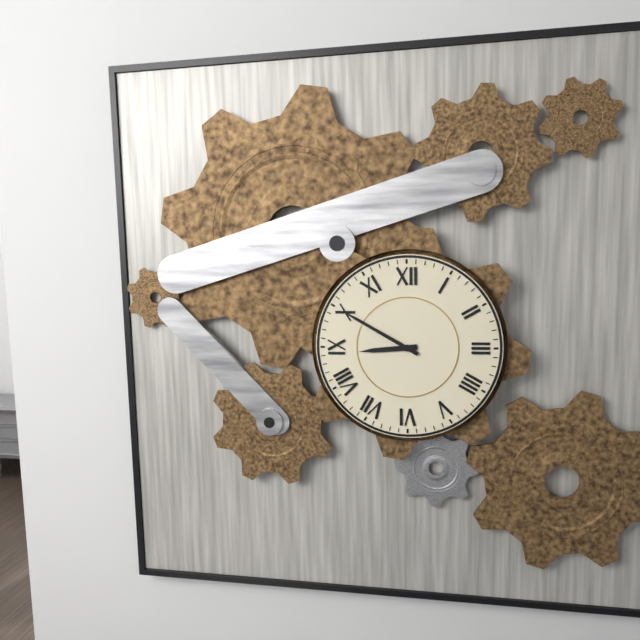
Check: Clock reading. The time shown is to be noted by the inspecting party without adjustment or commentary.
8:50
